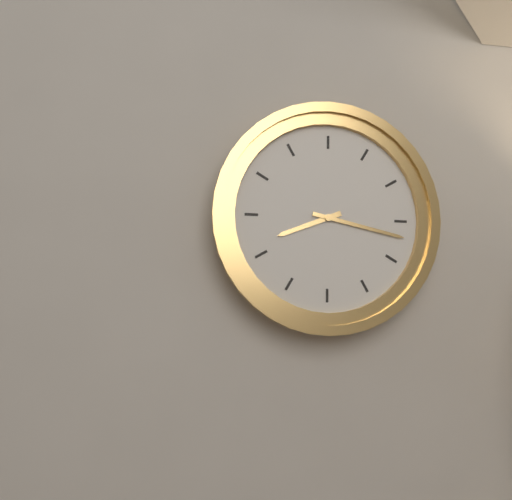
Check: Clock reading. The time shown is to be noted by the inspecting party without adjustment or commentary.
8:17
